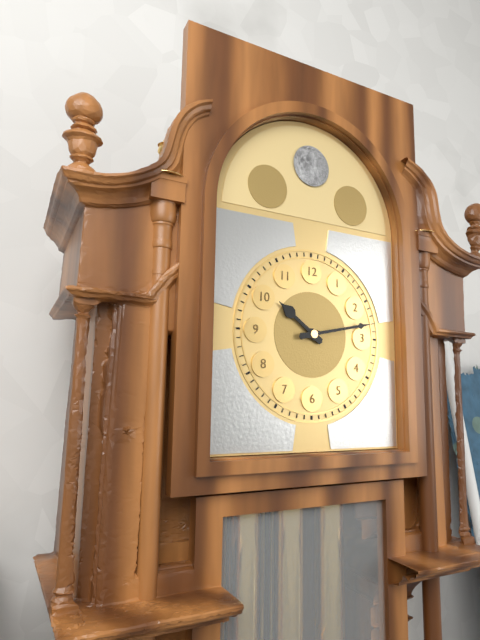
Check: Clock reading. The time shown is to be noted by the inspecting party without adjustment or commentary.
10:13
